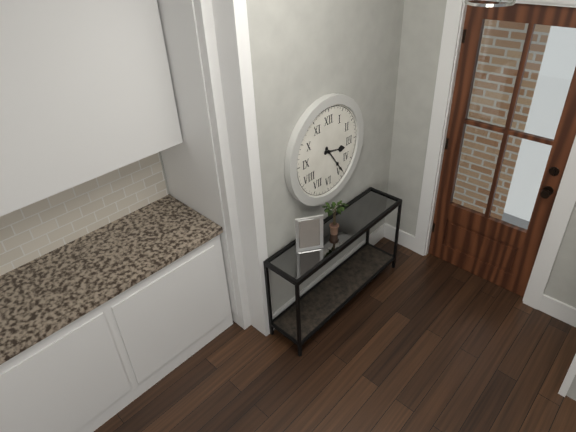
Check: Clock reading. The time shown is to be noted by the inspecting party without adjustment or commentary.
3:24
